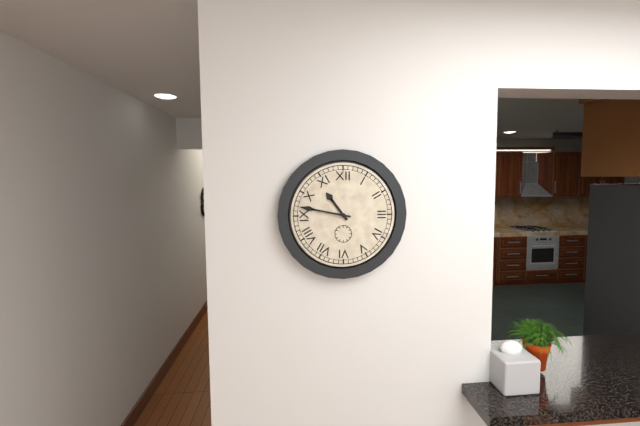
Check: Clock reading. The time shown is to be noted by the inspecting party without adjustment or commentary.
10:47
